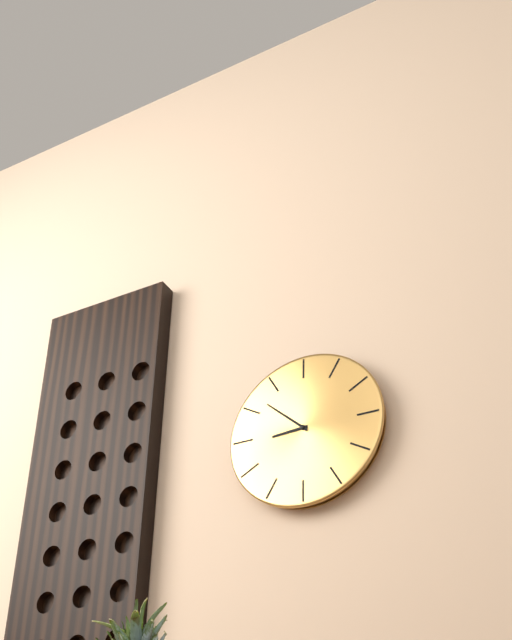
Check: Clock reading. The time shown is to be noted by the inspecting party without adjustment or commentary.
8:52
